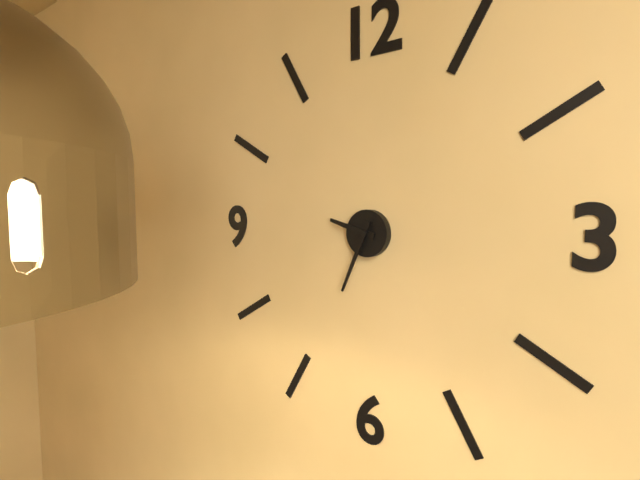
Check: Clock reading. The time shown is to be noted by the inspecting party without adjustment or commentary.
9:34
